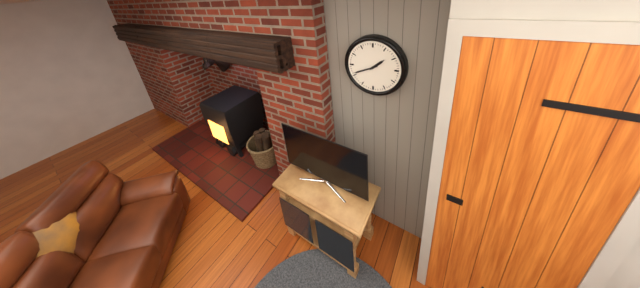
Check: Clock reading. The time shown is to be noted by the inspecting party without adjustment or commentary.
1:41
